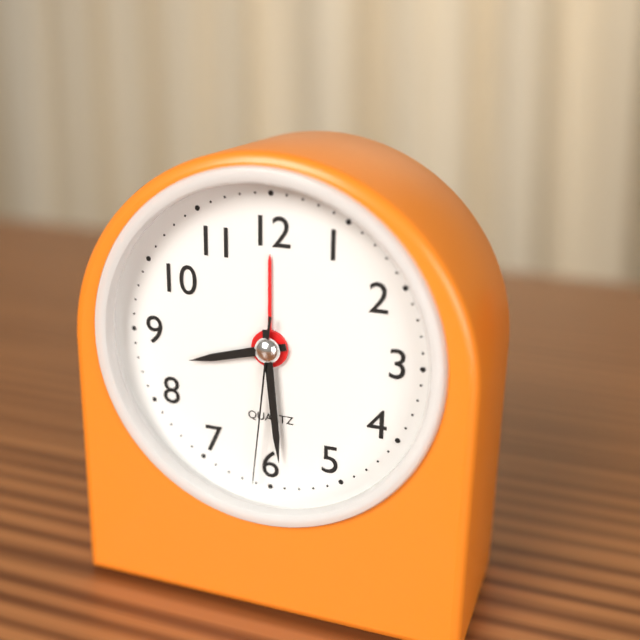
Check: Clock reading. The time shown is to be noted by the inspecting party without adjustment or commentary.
8:29:31
